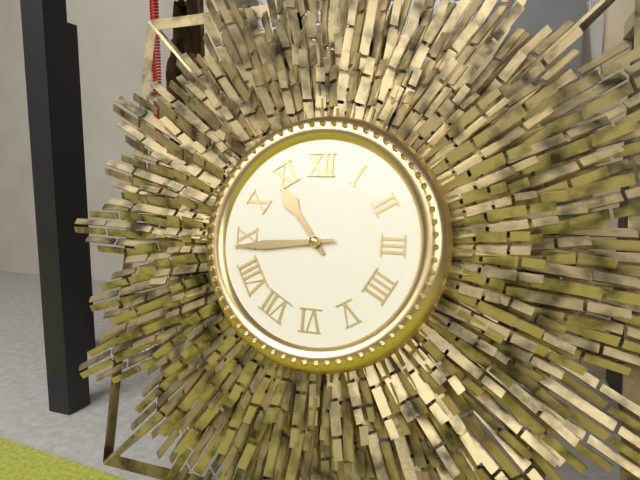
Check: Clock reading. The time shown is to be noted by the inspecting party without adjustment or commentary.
10:44
